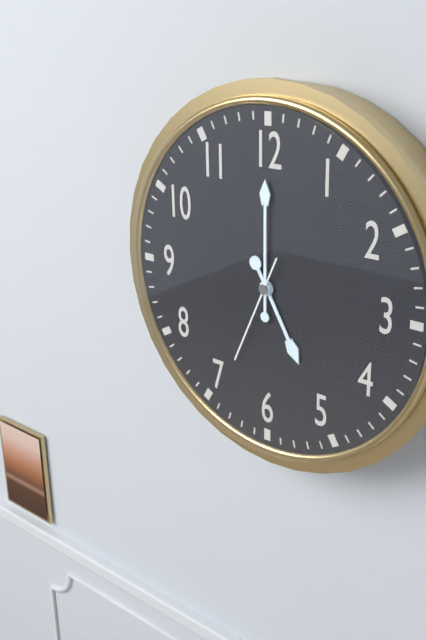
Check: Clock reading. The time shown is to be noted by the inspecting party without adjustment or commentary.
5:00:34
